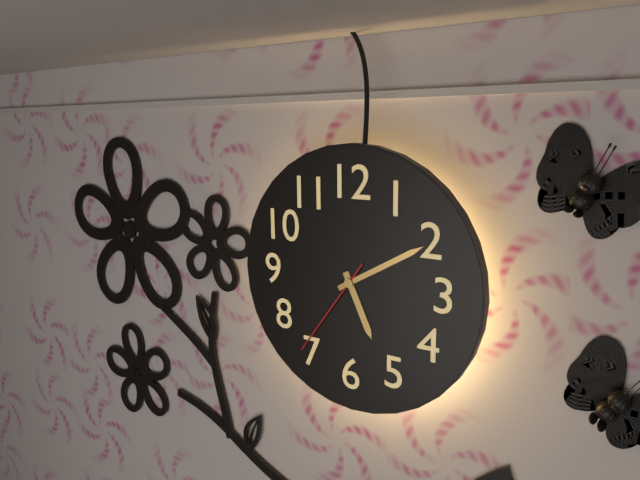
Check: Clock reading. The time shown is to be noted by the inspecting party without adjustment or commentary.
5:10:36
